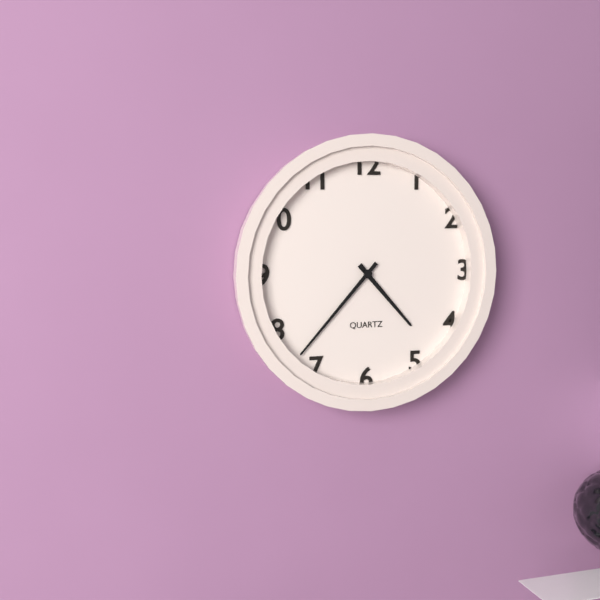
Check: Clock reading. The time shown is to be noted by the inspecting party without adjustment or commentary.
4:37
